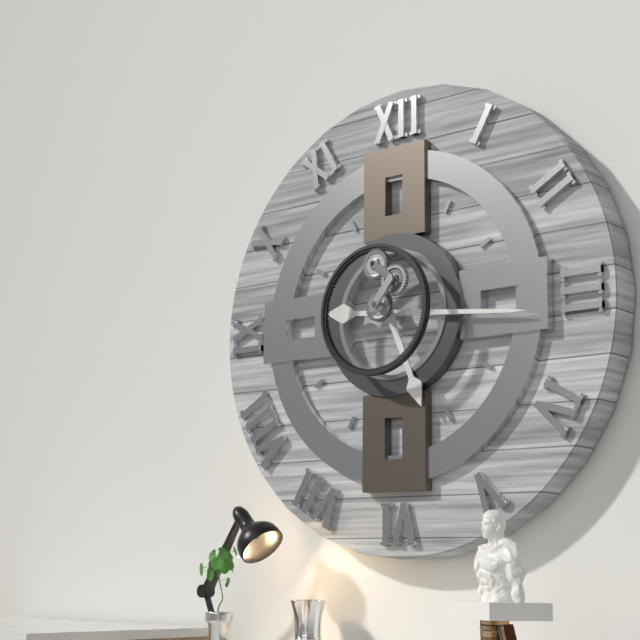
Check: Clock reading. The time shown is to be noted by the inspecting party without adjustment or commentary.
5:16
